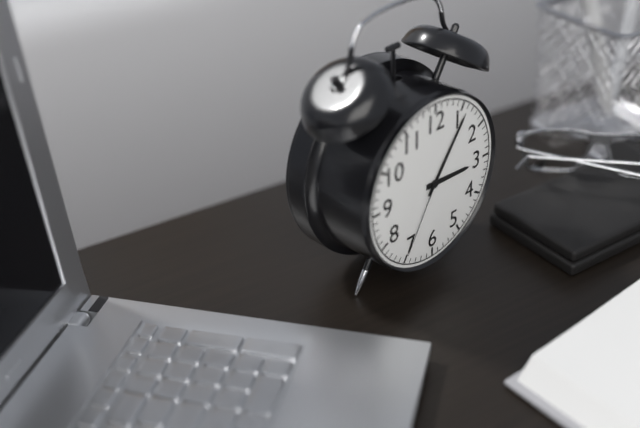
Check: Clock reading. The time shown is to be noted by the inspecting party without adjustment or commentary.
3:06:35
